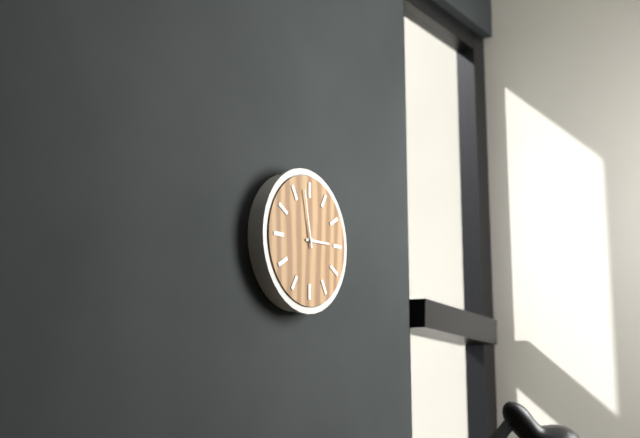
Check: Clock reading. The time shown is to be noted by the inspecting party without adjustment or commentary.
2:58
